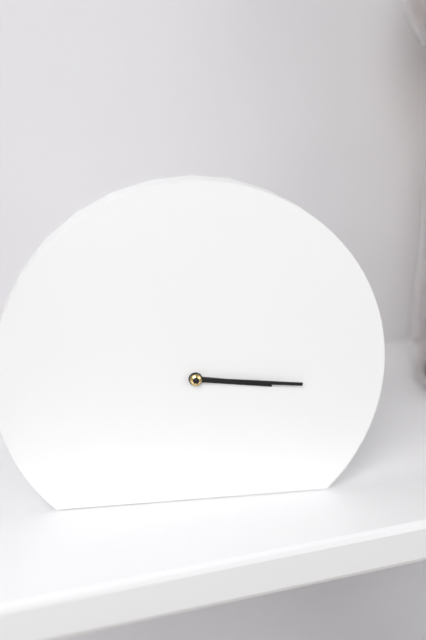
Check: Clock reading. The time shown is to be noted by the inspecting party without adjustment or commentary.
3:16
